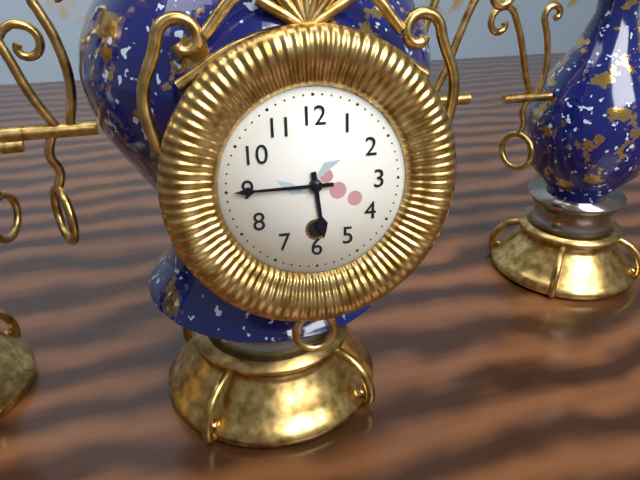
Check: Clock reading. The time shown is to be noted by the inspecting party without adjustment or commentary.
5:45
